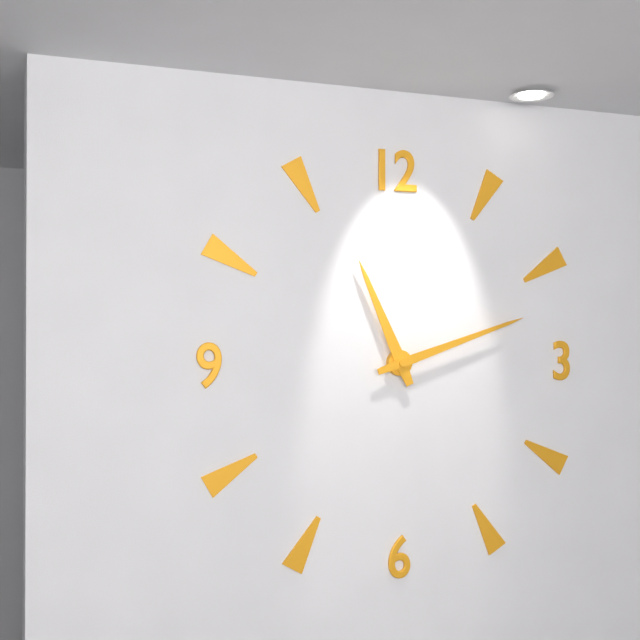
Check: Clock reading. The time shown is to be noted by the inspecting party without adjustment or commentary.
11:12
